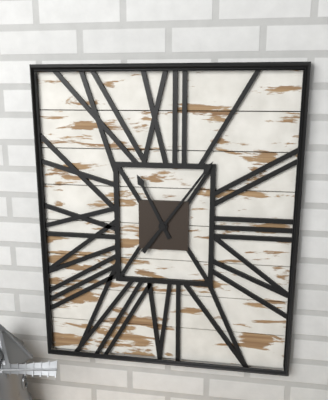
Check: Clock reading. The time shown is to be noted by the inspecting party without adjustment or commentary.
11:06
